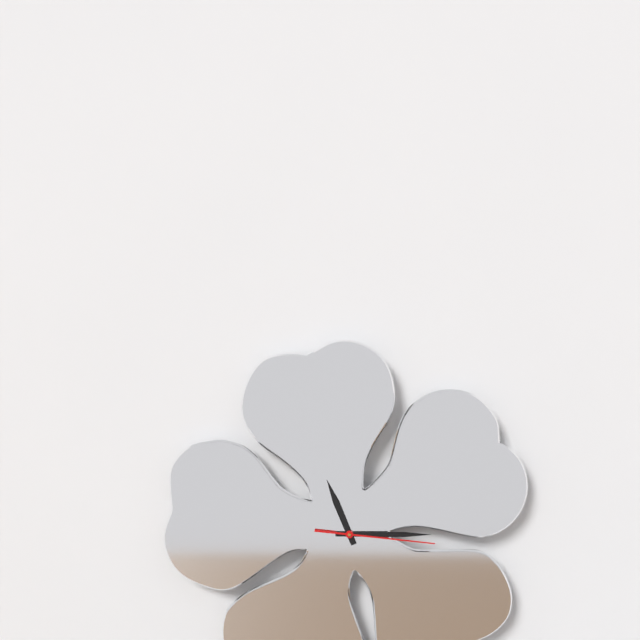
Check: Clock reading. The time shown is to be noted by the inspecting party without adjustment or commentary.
11:15:16
